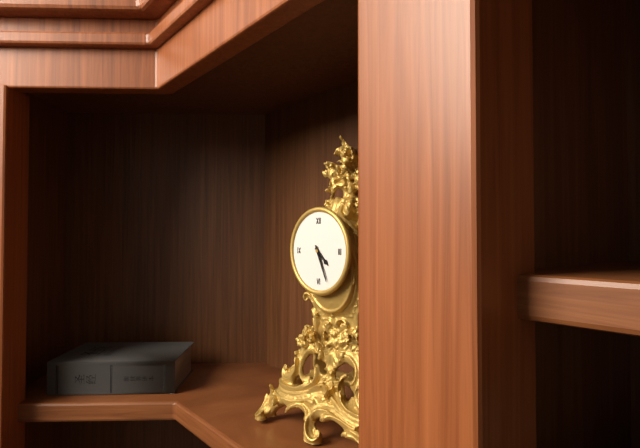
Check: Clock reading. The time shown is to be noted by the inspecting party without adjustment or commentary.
4:26
